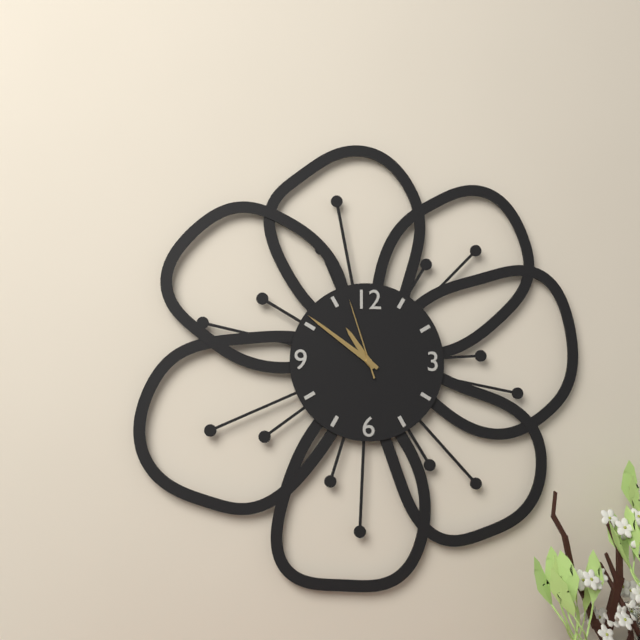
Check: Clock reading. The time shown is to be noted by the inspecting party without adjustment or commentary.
10:51:57
